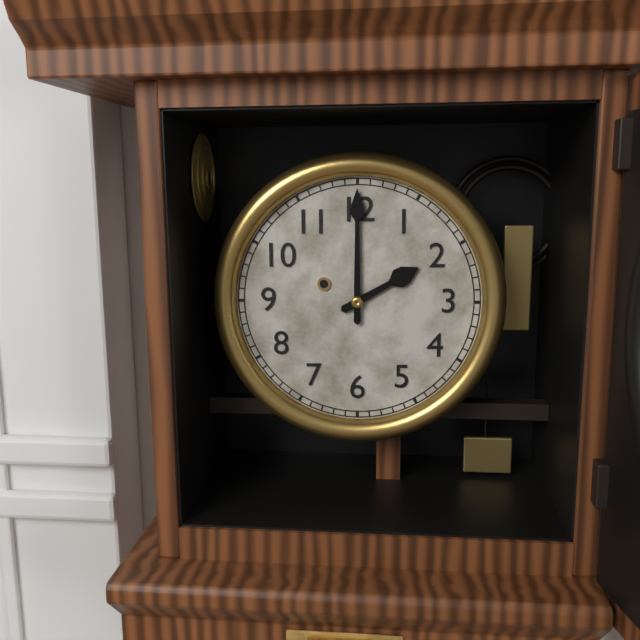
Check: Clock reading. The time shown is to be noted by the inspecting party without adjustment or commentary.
2:00
